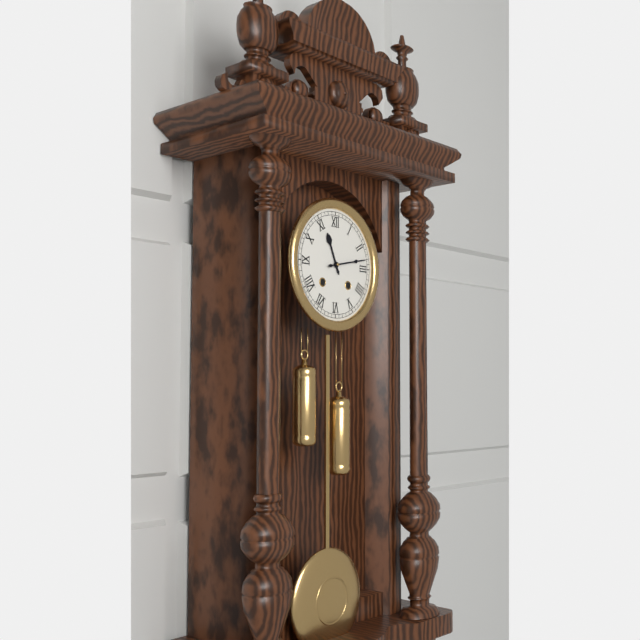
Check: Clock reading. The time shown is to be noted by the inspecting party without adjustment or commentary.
11:13
